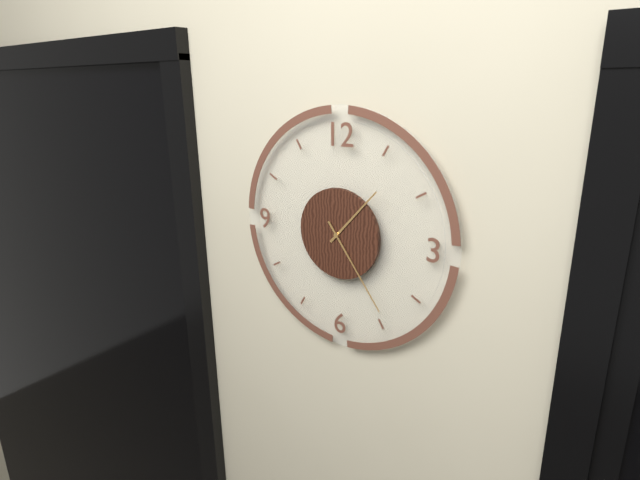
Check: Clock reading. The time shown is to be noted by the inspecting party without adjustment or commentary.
1:24
